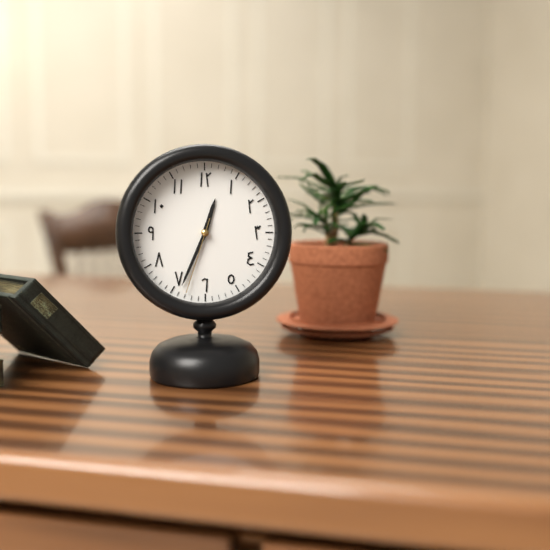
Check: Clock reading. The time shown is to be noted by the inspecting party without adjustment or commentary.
12:34:33
